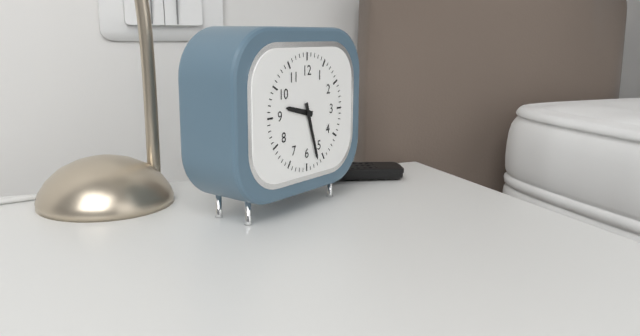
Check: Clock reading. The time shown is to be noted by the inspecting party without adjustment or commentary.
9:27
